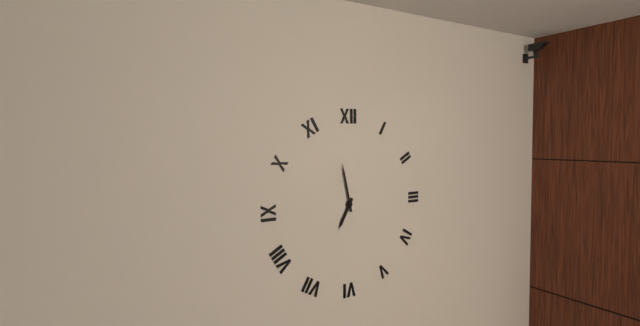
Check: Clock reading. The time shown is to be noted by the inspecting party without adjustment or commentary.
6:58
